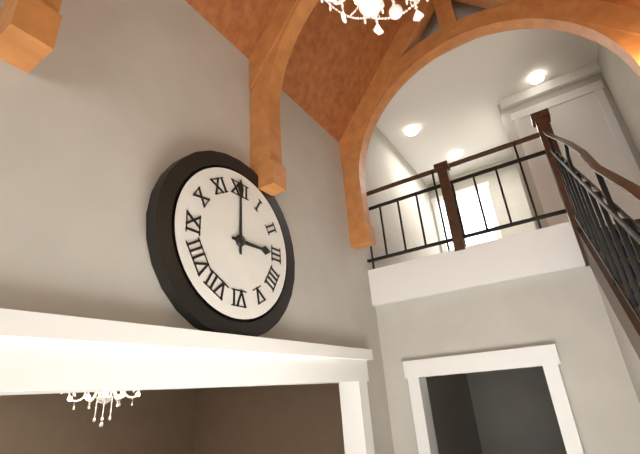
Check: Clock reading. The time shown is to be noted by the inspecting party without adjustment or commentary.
3:00
